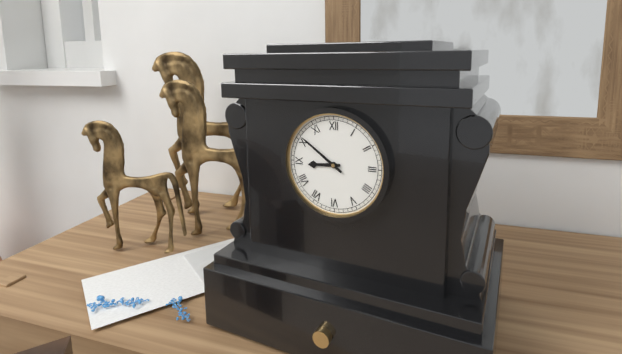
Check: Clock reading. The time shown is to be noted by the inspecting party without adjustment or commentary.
8:51
